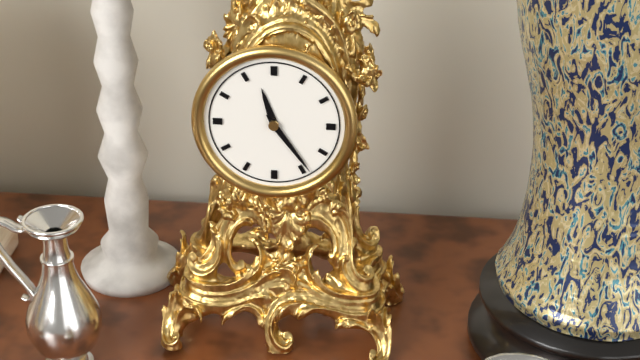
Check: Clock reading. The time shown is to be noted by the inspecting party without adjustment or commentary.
11:24
